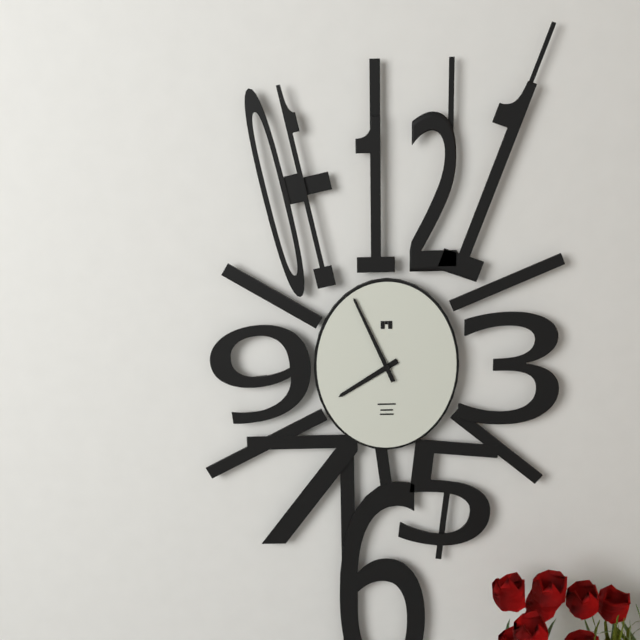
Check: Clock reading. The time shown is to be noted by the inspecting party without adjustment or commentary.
7:56
